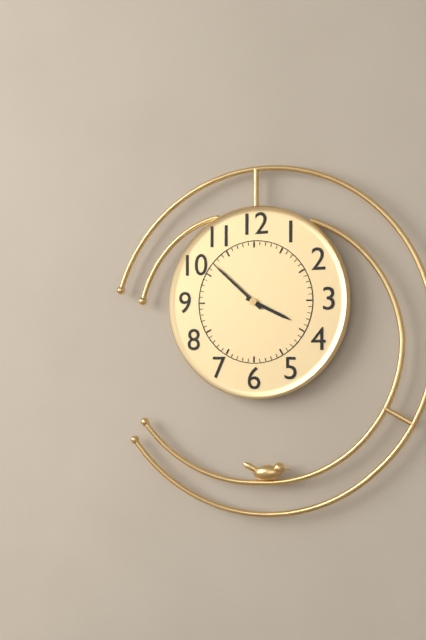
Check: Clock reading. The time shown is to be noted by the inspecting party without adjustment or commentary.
3:52
